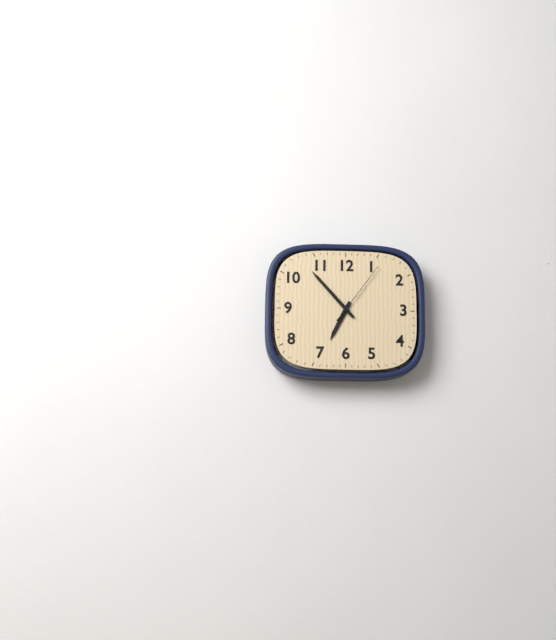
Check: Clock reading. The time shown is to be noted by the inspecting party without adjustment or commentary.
6:53:06
